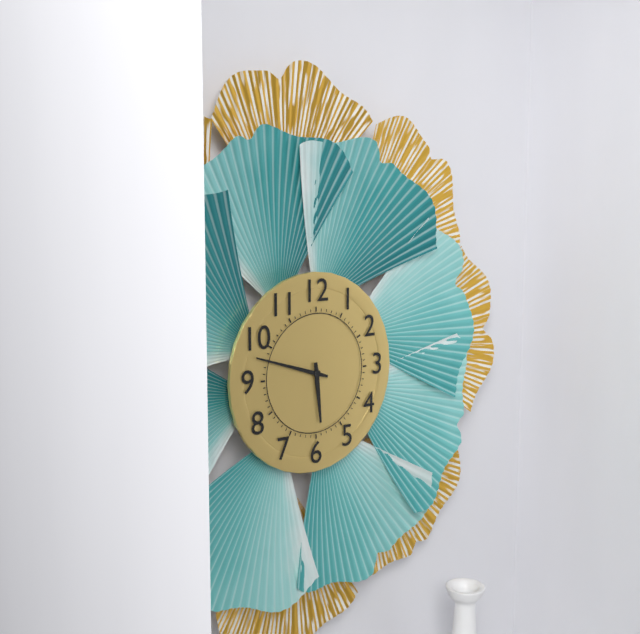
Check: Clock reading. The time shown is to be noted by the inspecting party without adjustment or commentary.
5:48
